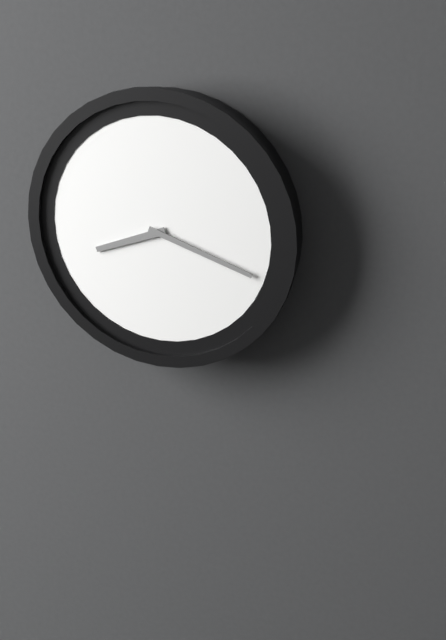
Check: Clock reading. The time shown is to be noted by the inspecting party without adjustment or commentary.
8:18
